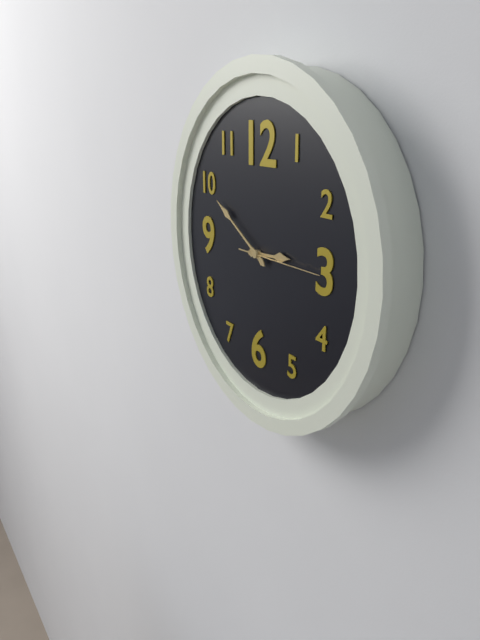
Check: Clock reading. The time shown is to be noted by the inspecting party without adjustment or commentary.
2:50:15
